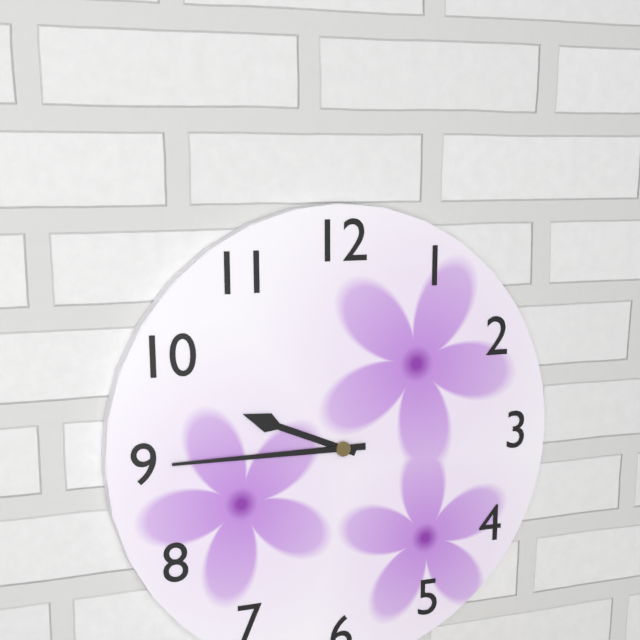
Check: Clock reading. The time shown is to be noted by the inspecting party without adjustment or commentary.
9:45
